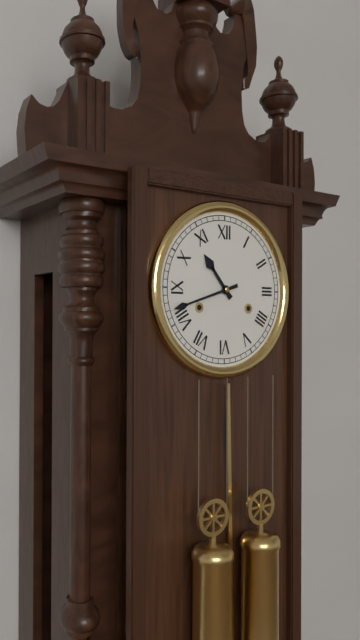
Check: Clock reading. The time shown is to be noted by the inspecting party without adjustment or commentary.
10:42
